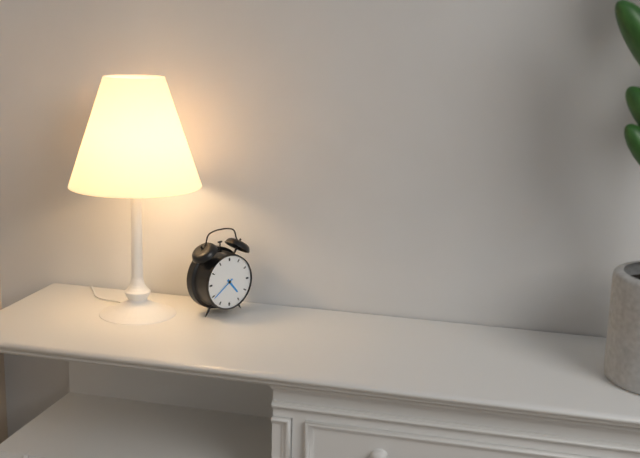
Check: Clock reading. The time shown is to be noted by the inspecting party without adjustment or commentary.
4:39
